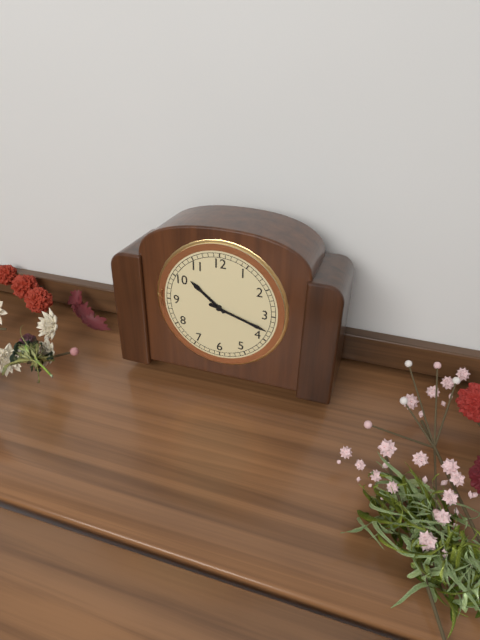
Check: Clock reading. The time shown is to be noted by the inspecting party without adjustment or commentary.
10:18
